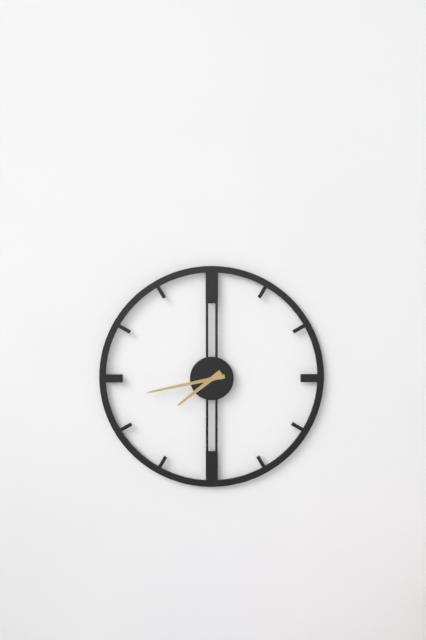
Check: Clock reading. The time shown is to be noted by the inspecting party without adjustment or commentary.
7:43
